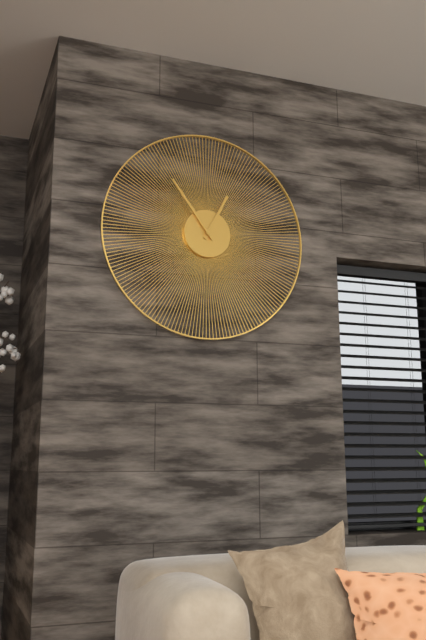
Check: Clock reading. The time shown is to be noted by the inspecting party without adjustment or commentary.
12:54
